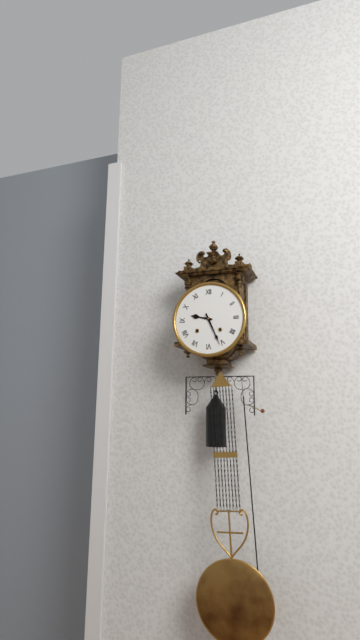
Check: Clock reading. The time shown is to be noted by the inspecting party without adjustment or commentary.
9:26
